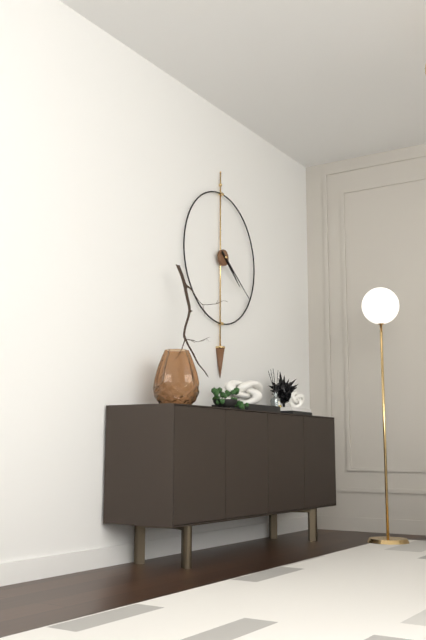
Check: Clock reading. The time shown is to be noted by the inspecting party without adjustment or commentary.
4:21
